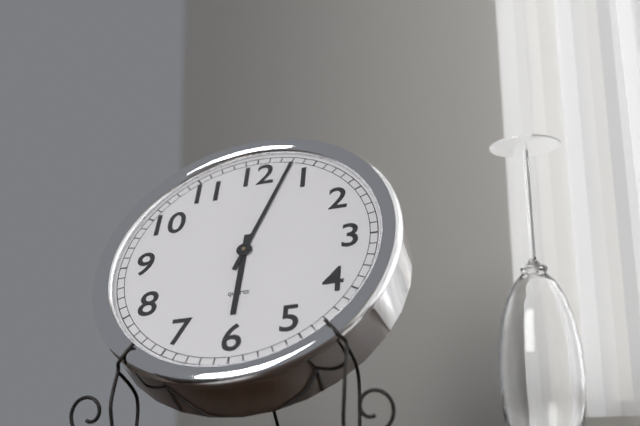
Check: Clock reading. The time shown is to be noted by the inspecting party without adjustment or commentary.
6:03
